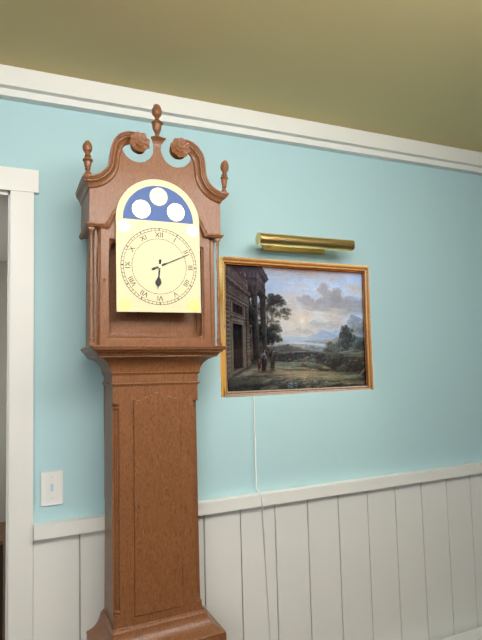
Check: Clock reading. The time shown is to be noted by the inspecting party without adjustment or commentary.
6:11
